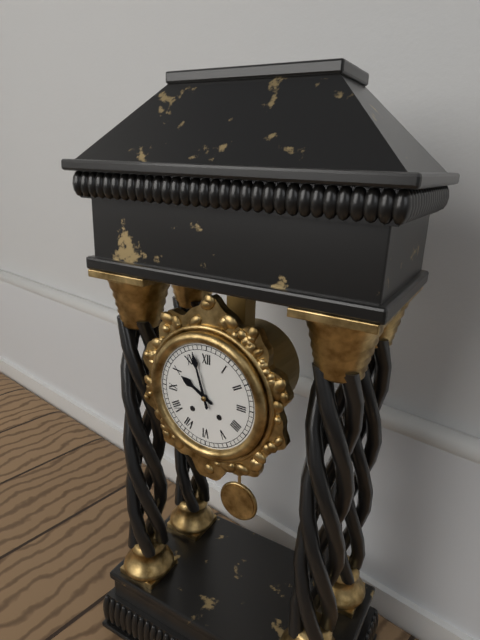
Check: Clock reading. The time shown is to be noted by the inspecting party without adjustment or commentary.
9:57
